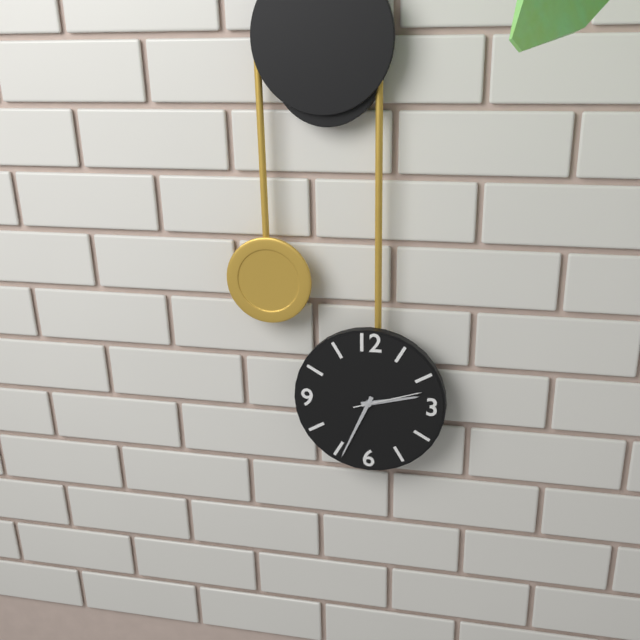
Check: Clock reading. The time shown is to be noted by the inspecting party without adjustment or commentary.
2:34:12
